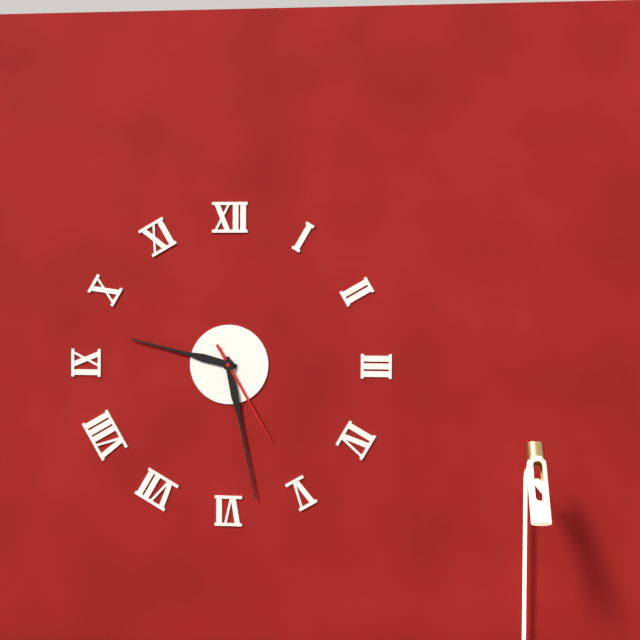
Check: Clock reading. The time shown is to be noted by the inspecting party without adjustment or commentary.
9:28:25
